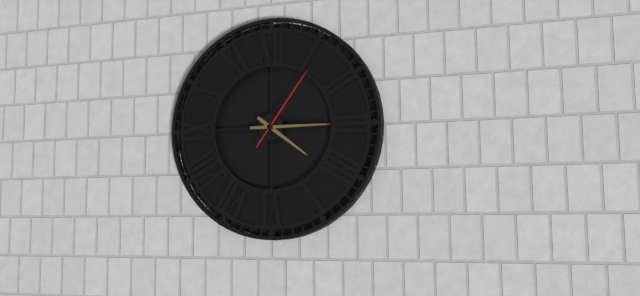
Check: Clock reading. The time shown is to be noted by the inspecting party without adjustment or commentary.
4:15:06
